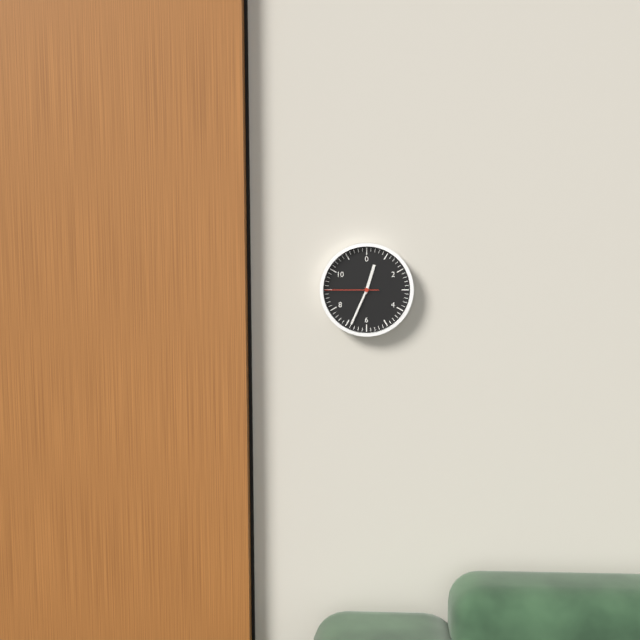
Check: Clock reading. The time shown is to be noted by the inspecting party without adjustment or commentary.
12:34:45
